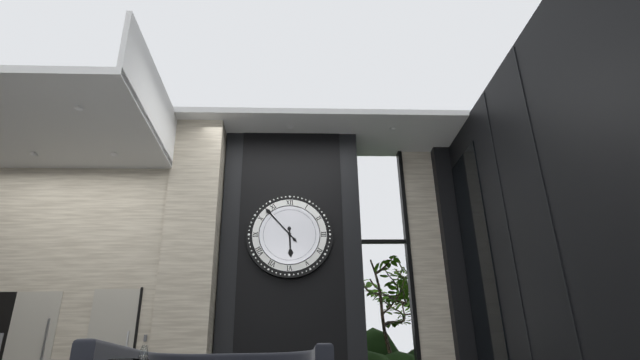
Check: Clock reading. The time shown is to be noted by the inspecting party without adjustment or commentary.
5:53
